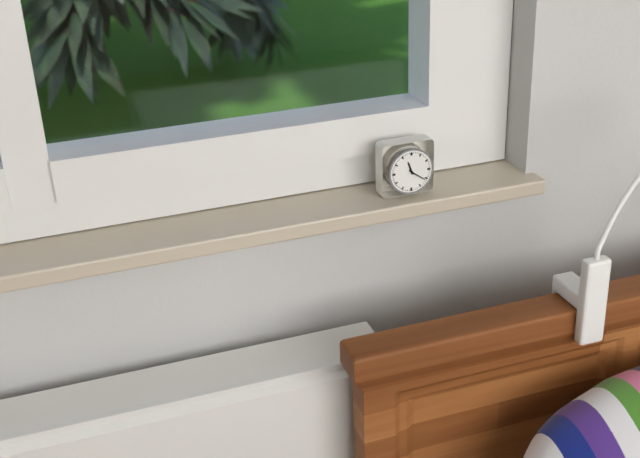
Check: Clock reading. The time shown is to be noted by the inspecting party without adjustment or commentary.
11:21
